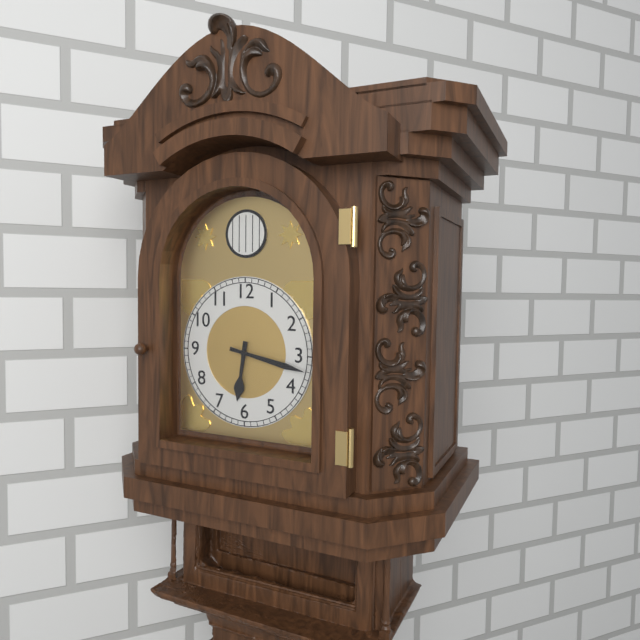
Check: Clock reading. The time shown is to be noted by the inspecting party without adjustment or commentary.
6:17
